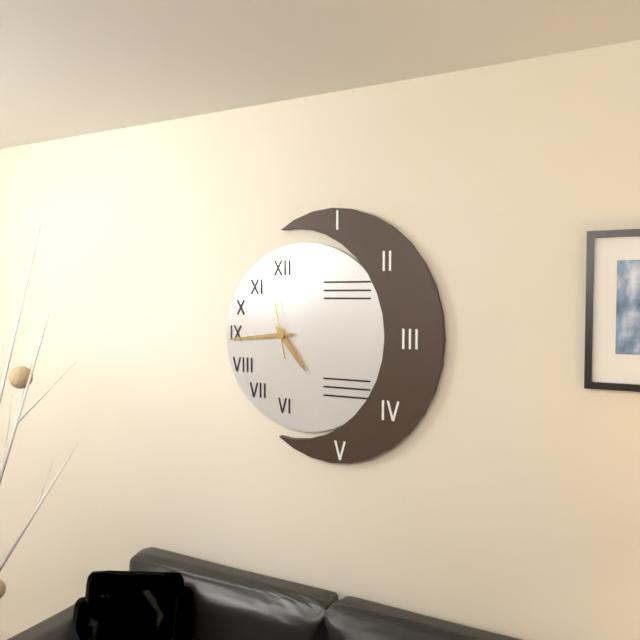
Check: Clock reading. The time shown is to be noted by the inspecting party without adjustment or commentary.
4:44:58
